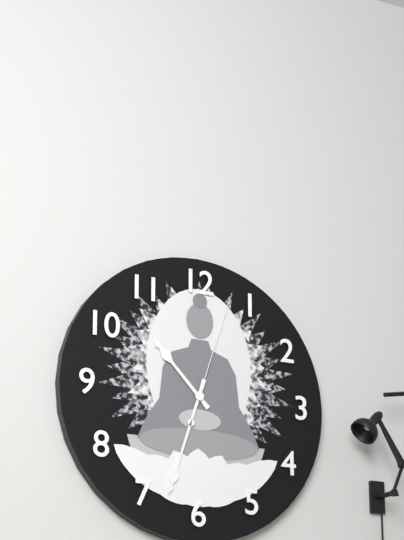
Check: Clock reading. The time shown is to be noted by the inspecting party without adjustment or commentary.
10:33:03
